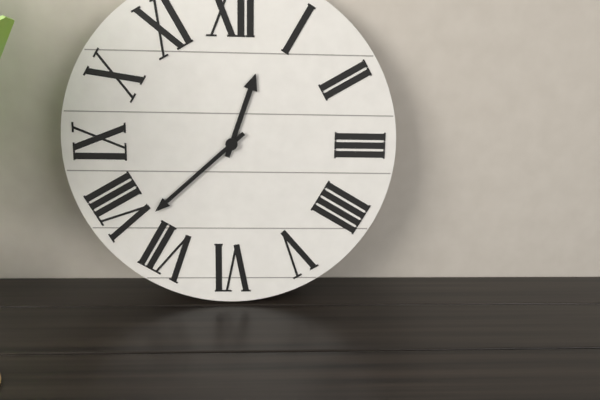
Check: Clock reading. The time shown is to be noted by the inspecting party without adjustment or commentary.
12:38
